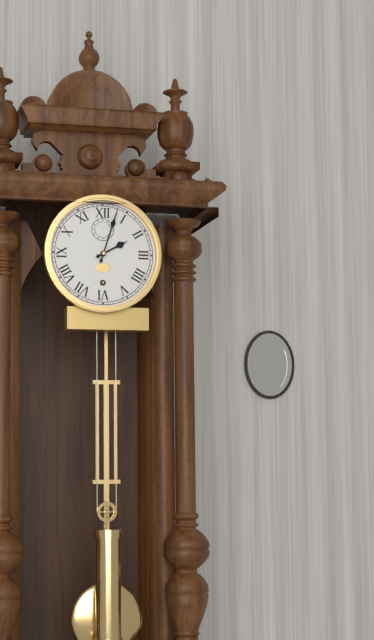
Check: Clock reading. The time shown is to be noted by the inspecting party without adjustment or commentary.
2:03
